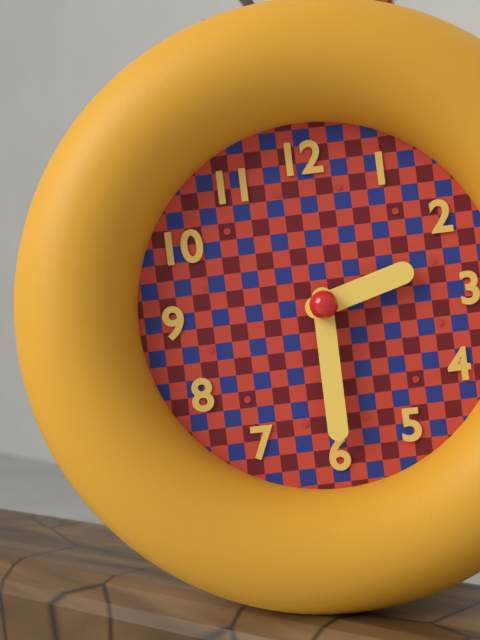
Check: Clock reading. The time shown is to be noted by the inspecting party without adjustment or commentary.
2:30
